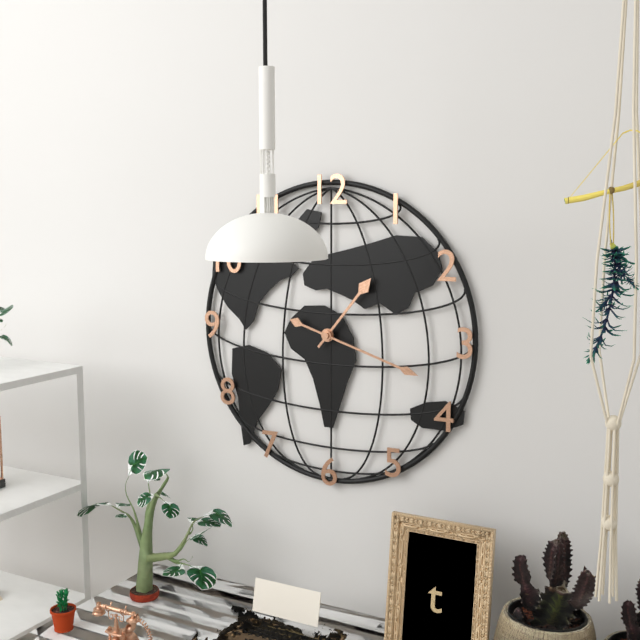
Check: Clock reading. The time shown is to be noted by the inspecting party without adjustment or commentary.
1:18
